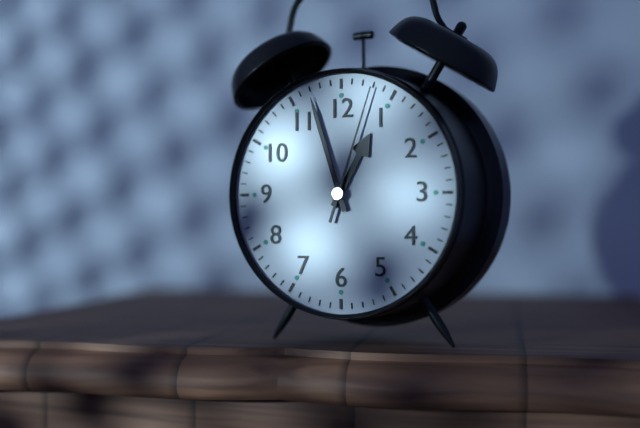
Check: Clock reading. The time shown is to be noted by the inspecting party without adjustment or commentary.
12:57:03
